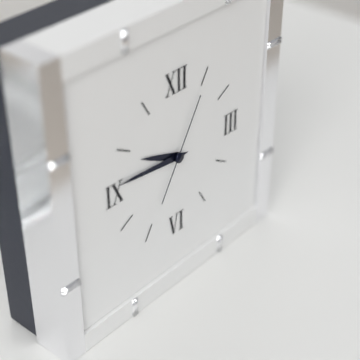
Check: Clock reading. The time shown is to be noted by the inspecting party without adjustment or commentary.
9:46:05
